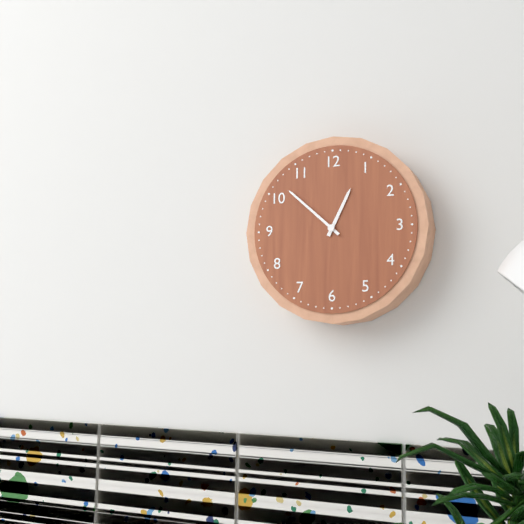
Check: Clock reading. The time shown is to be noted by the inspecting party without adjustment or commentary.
12:52
